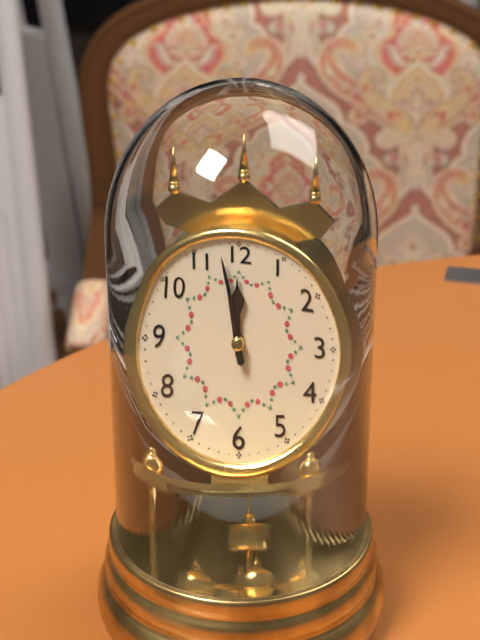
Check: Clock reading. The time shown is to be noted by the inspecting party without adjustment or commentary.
11:58
